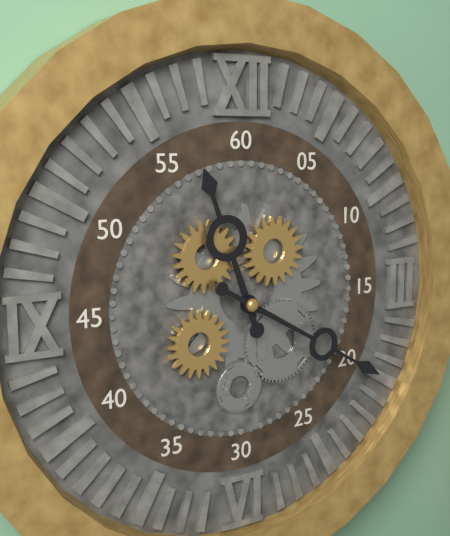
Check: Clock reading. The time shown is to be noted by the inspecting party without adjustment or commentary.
11:20
